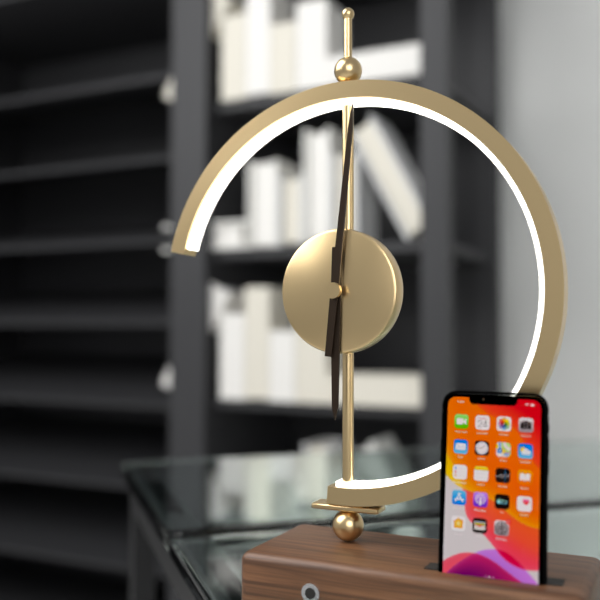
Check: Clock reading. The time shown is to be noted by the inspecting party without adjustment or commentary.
6:01
